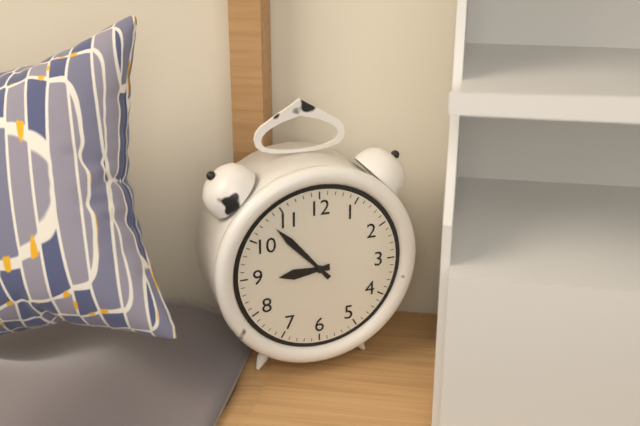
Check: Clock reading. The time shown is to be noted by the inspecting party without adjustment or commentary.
8:53
